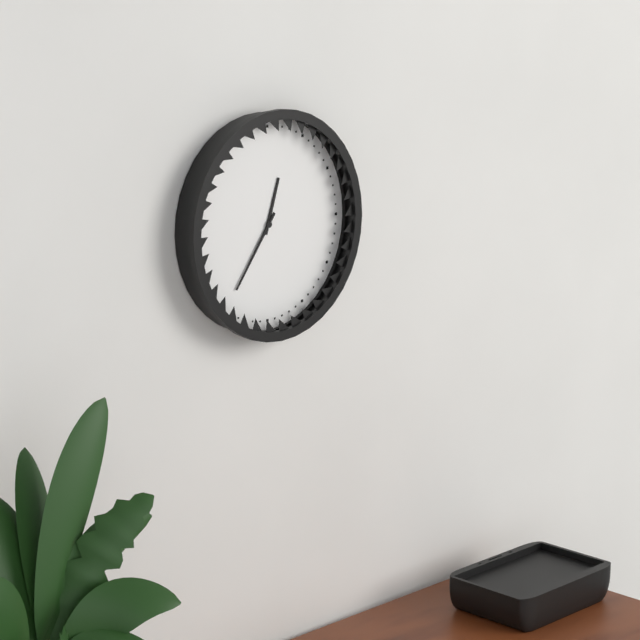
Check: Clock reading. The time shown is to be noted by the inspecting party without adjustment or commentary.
12:36
